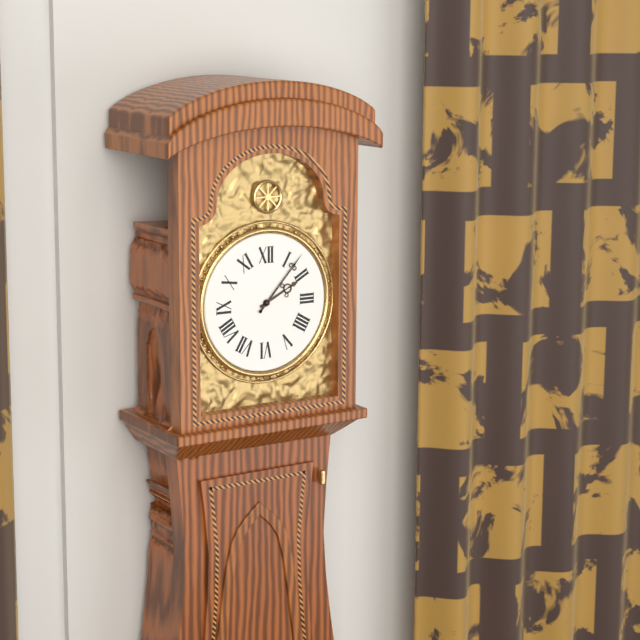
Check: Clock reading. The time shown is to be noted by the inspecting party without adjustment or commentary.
2:07
